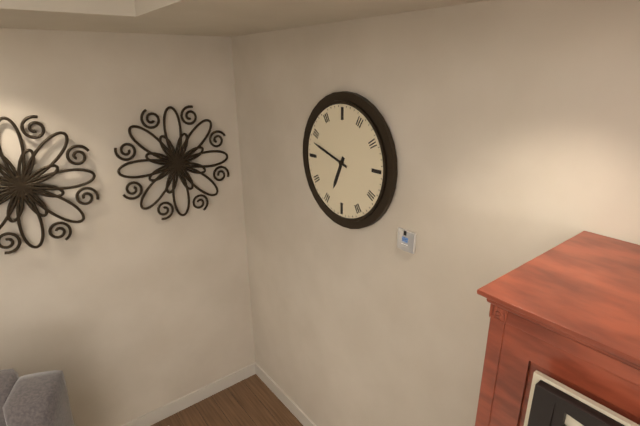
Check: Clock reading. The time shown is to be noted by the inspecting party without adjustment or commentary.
6:48
